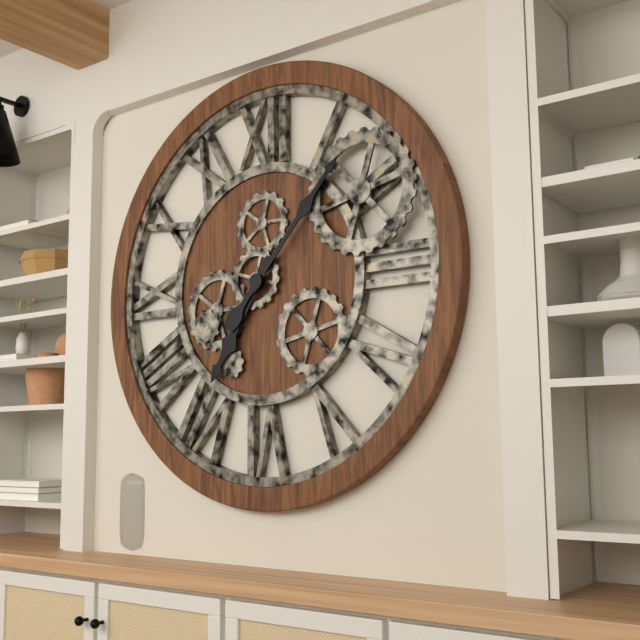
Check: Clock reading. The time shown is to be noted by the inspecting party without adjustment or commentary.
7:07
